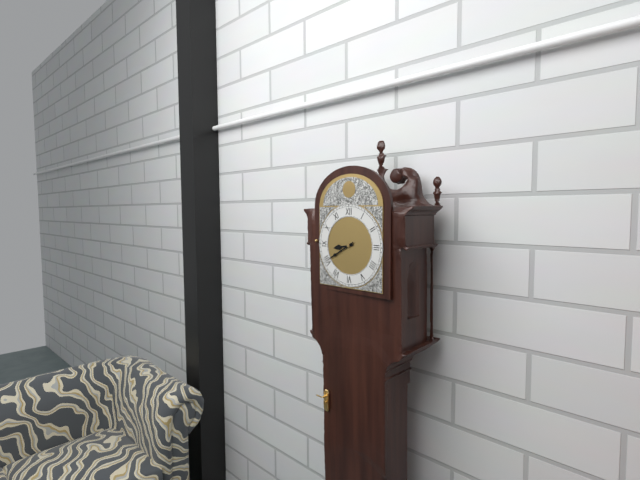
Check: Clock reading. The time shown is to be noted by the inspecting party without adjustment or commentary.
8:40
